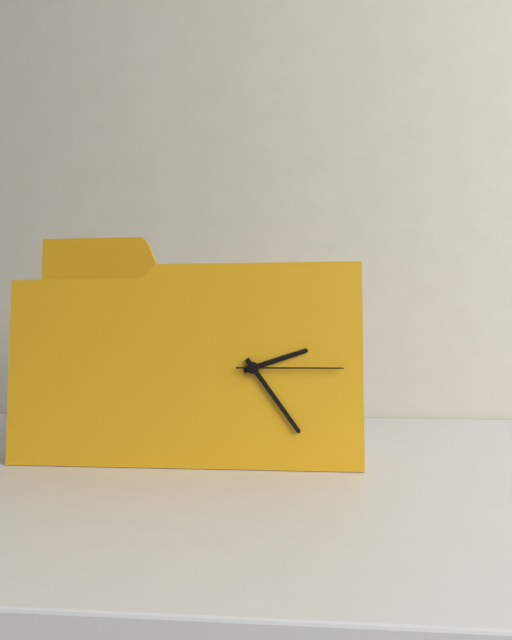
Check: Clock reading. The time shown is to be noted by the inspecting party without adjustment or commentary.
2:24:15
